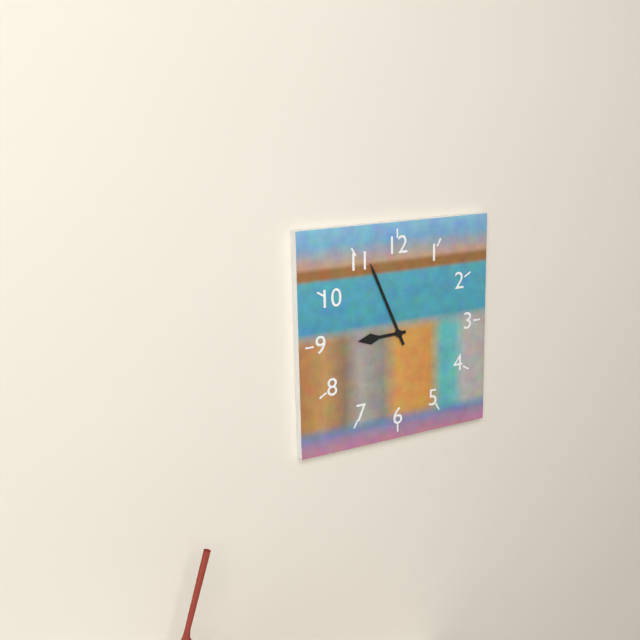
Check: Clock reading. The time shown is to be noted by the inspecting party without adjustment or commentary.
8:56
